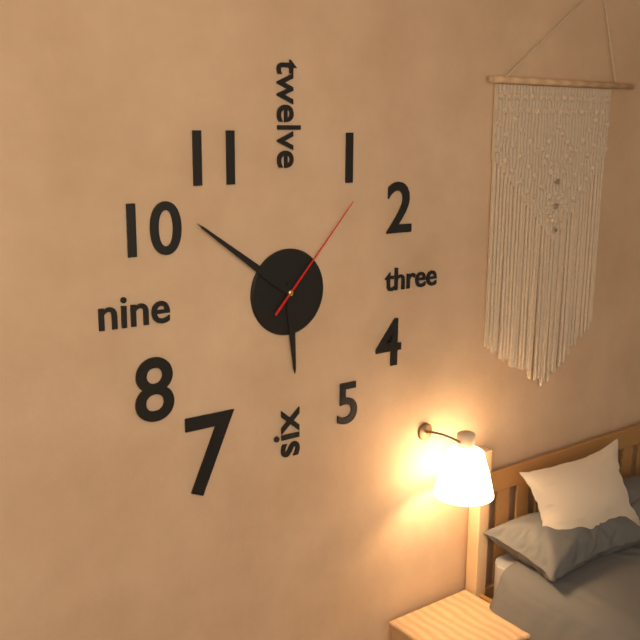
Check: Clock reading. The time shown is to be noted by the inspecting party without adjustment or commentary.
5:51:07
